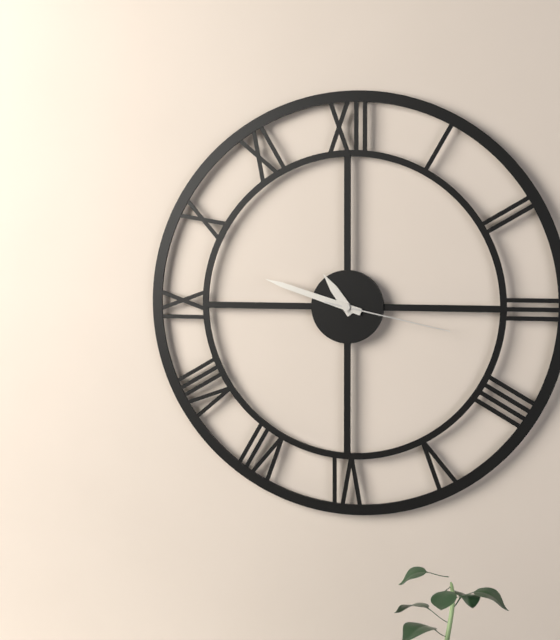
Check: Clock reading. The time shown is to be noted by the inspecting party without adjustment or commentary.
10:48:17
